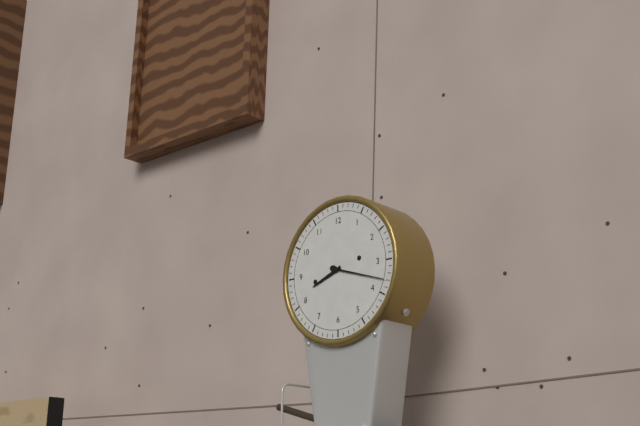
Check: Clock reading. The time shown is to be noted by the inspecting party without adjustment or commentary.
8:18
